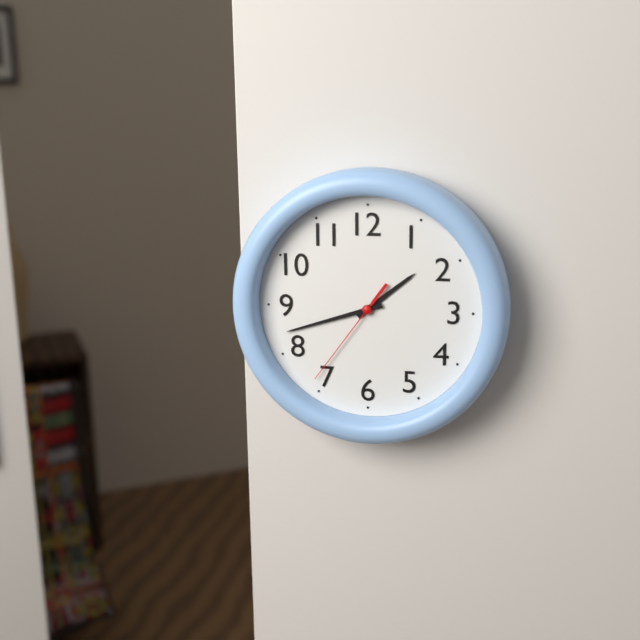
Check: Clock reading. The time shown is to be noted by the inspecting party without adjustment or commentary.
1:42:36
